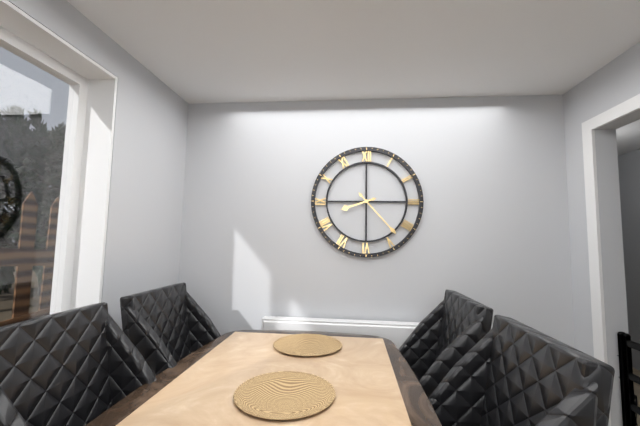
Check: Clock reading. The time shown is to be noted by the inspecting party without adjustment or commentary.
8:23
